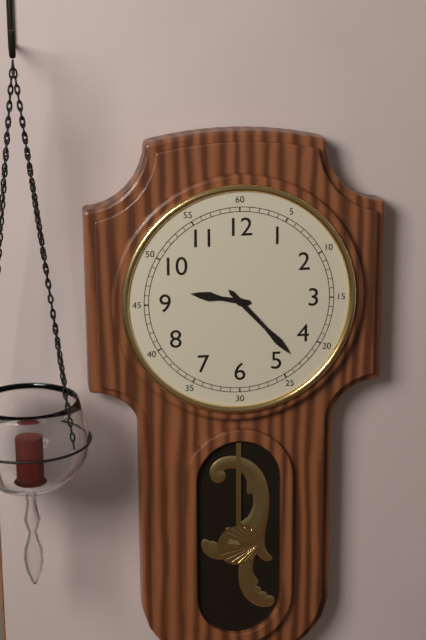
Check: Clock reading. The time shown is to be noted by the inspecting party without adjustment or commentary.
9:23
